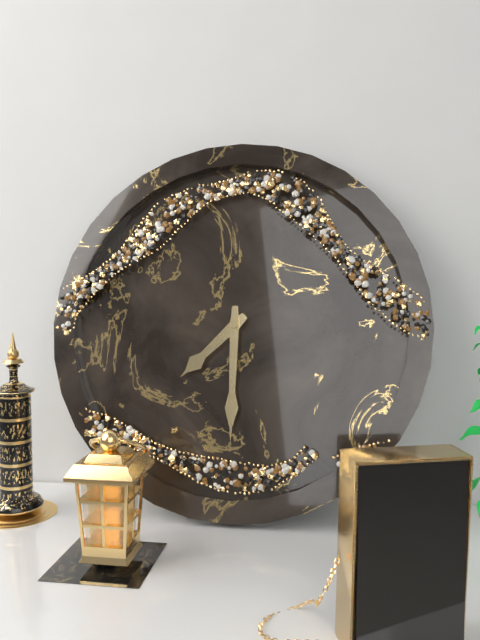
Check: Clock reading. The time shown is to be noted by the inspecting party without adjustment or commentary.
7:30
